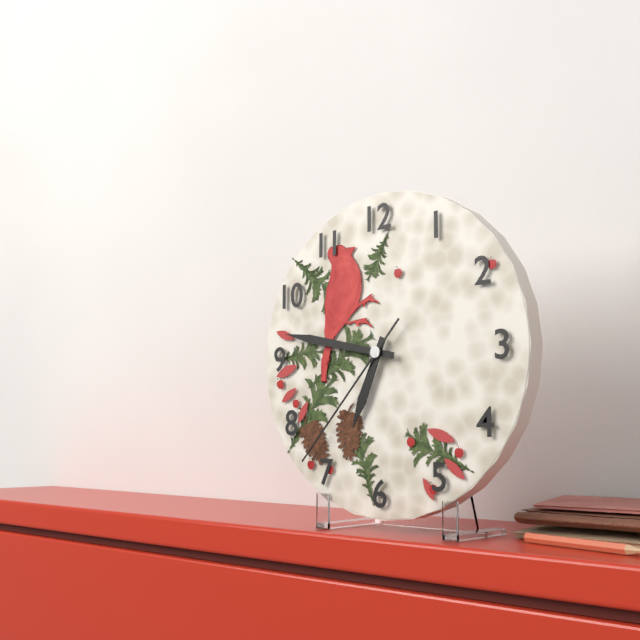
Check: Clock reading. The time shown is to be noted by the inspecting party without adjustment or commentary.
6:47:37
